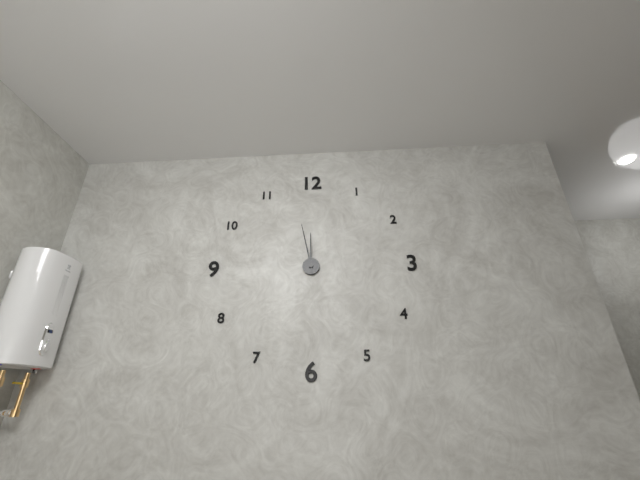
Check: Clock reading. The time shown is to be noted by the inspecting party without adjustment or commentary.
11:58
